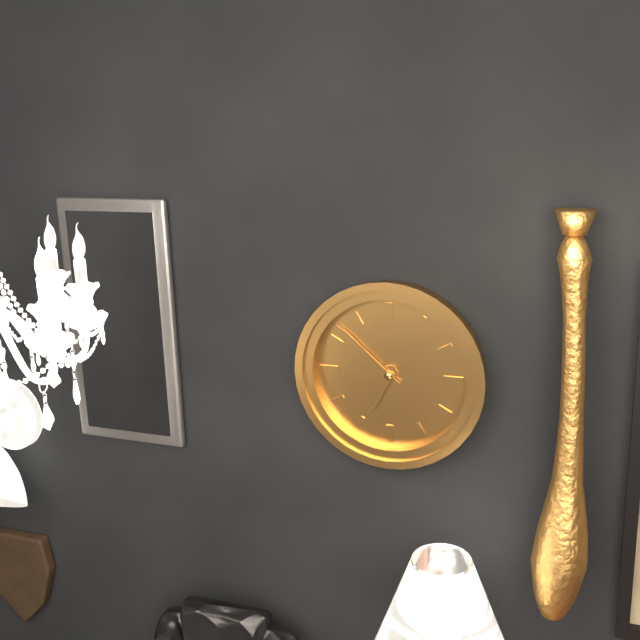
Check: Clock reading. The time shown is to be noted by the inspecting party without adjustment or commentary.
6:52
